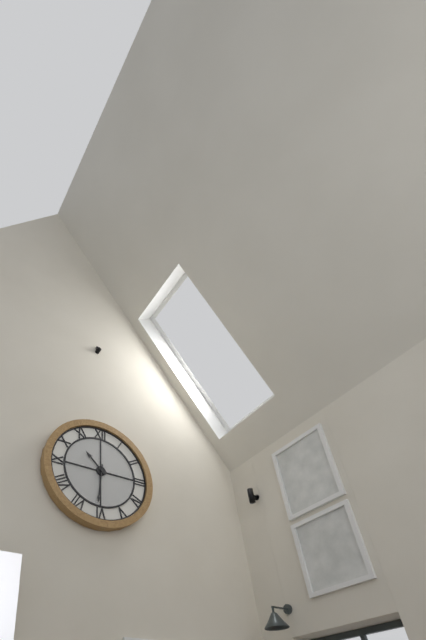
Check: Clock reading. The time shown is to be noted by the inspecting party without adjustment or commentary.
10:31
